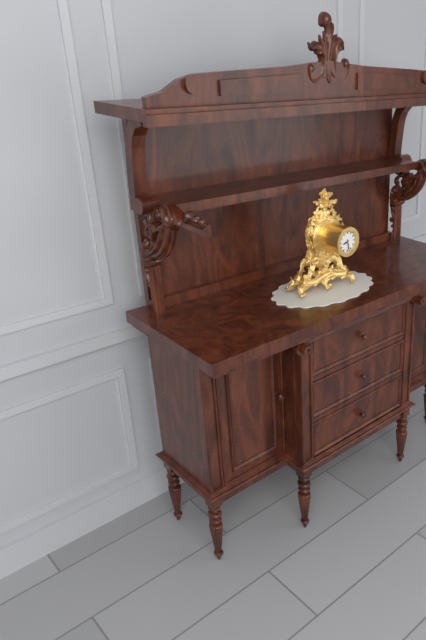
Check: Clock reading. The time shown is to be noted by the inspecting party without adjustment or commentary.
8:28
